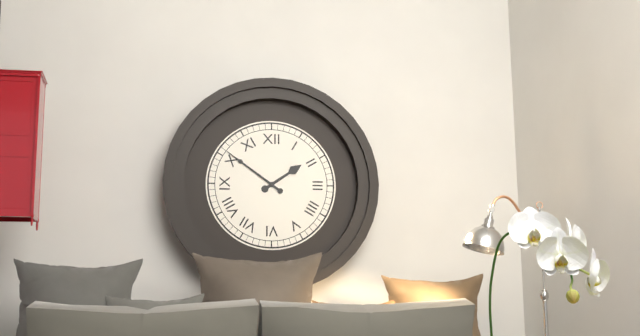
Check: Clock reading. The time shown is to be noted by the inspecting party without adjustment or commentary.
1:51
